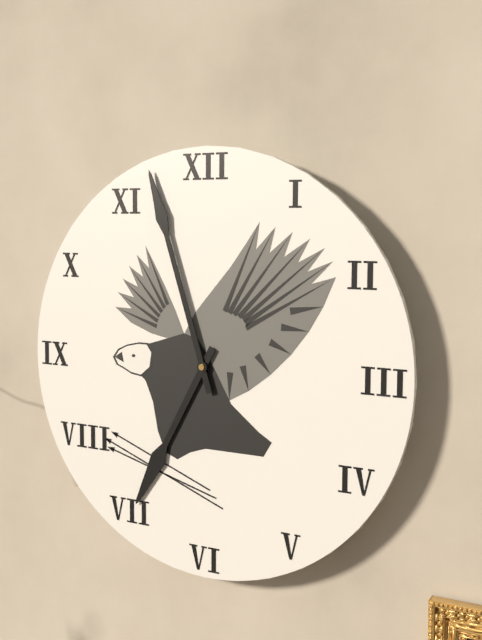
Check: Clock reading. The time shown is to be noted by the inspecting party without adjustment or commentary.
6:57
